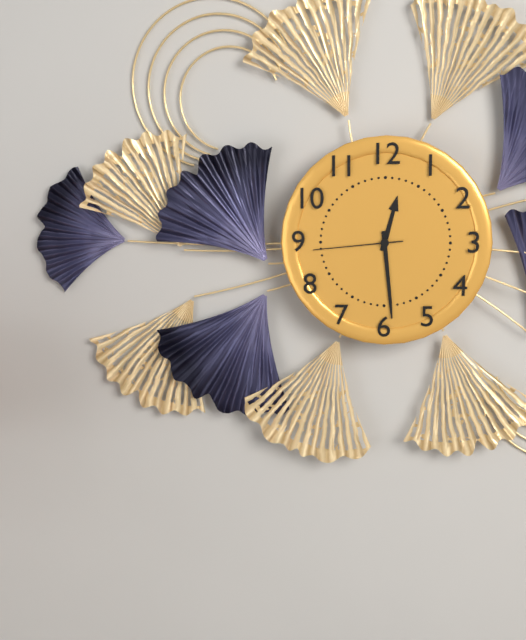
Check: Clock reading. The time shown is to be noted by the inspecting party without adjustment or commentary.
12:29:44
